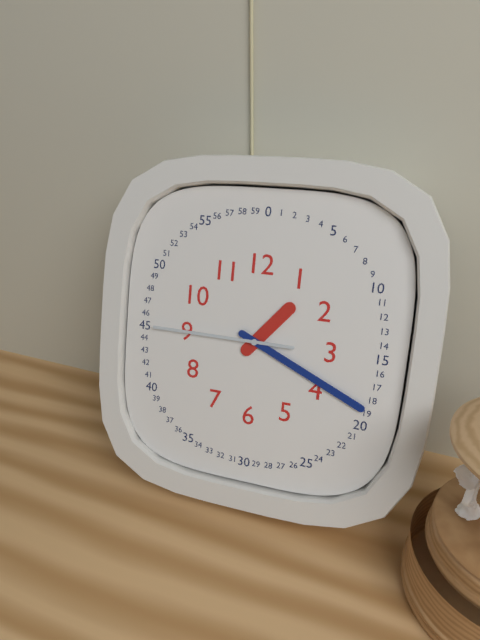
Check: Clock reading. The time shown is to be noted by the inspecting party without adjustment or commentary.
1:19:45
